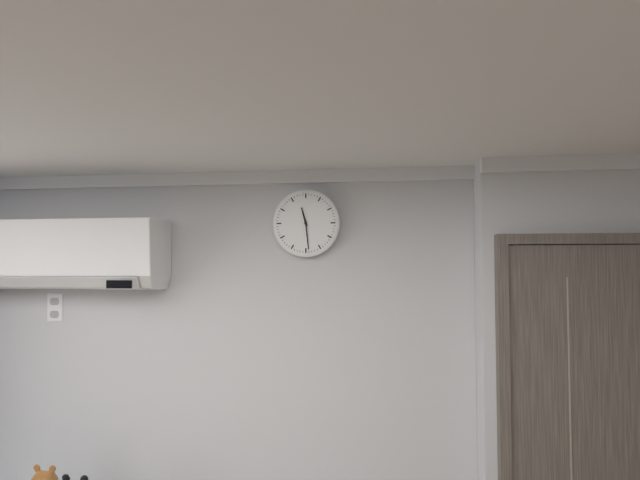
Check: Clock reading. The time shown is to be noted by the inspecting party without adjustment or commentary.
11:29
